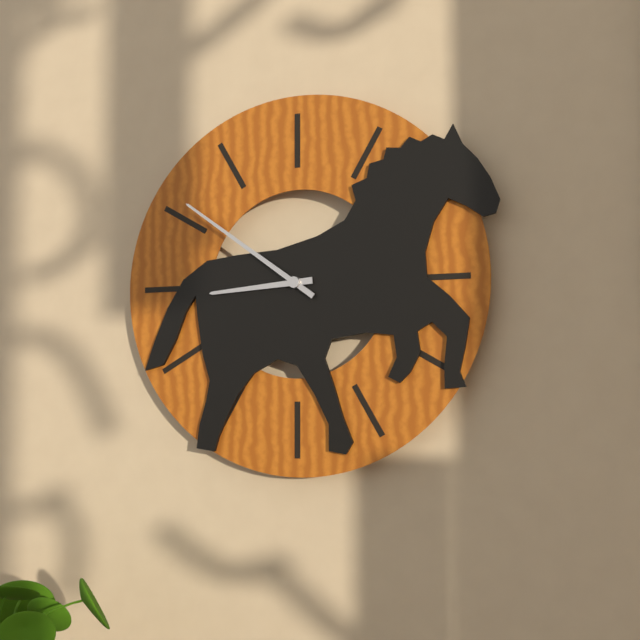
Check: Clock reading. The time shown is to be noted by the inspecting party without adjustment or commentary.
8:51
